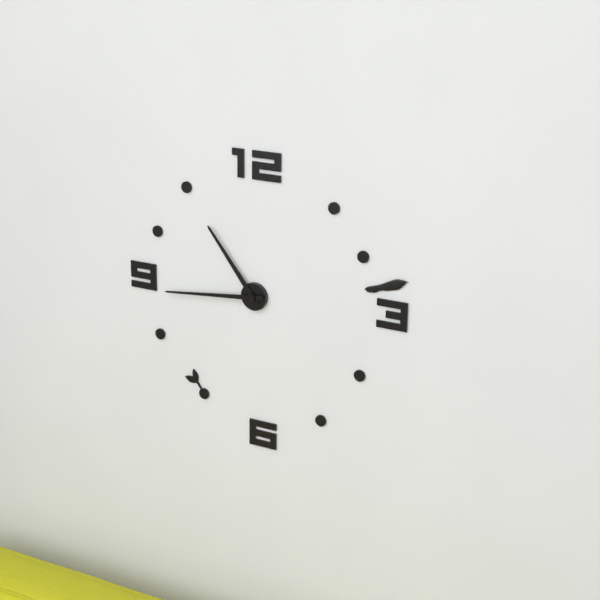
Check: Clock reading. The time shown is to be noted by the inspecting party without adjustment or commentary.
10:44
